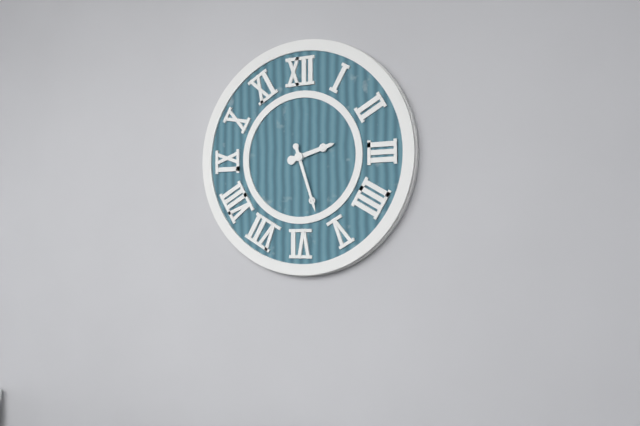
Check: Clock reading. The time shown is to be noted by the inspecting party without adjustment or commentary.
2:27
